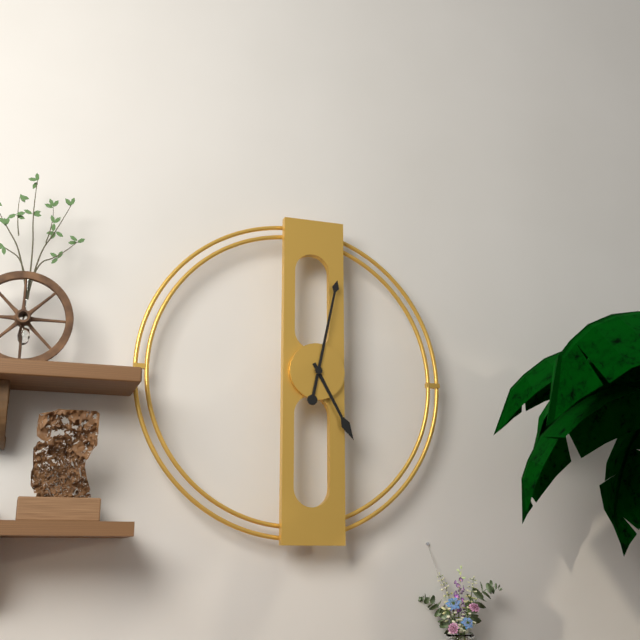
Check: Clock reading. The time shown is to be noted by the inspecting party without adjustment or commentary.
5:02
